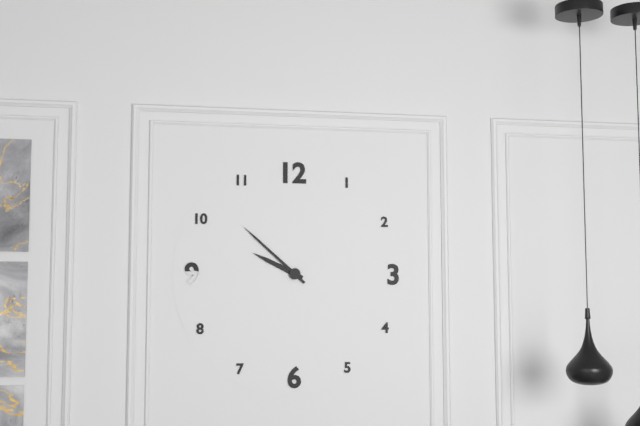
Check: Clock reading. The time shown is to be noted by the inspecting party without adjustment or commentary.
9:52
